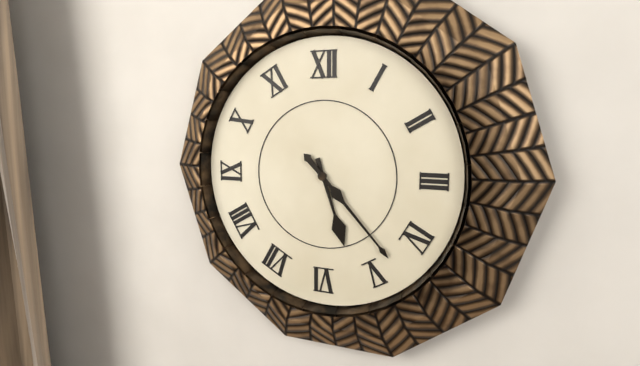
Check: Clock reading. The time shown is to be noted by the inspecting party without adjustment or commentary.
5:23
